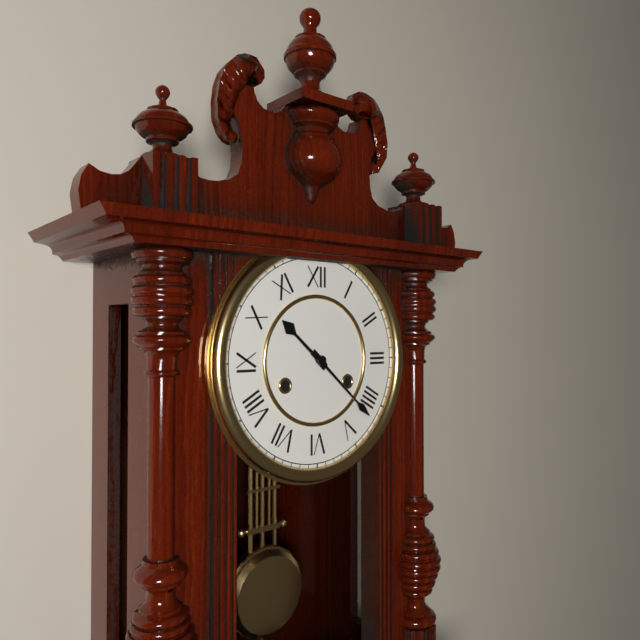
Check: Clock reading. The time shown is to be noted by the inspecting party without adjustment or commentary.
10:22
